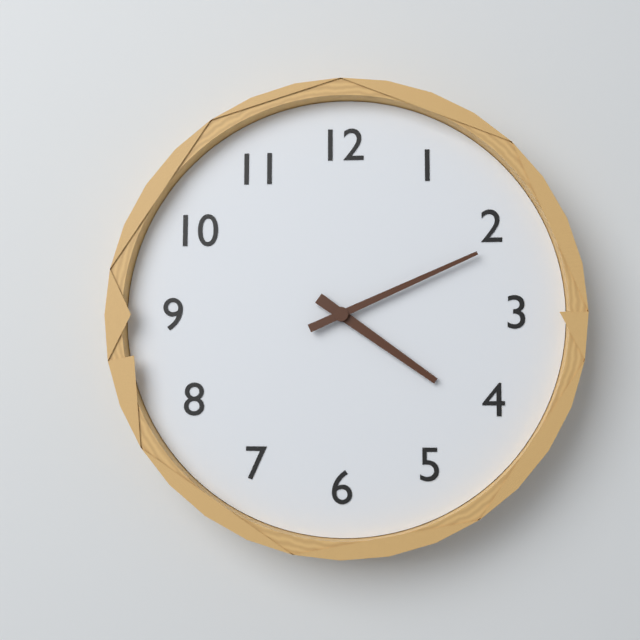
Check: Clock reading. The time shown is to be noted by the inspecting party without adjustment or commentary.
4:11
